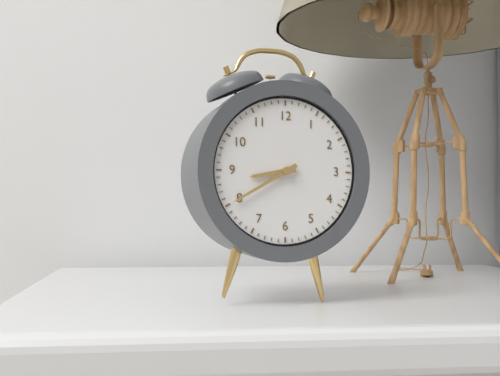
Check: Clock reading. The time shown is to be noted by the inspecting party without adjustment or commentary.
8:40
